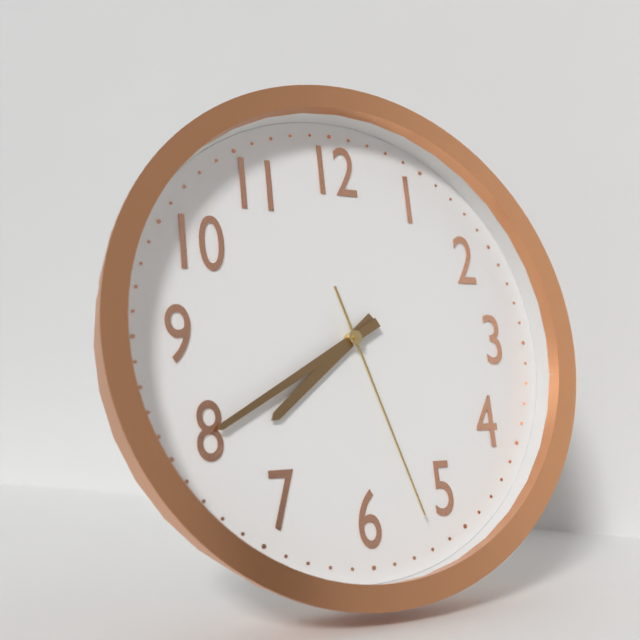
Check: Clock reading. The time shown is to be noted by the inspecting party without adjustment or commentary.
7:40:27
